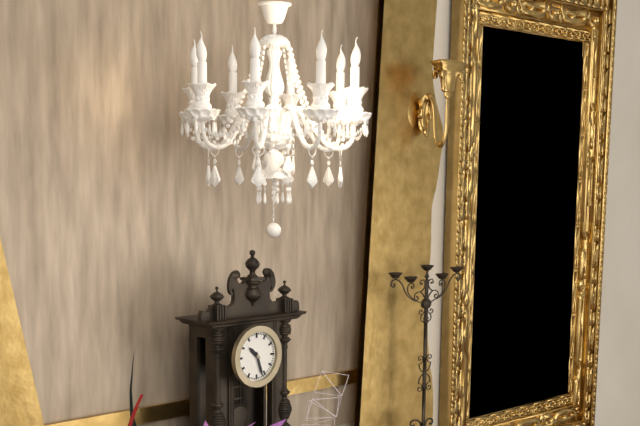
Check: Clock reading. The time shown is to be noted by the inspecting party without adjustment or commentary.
10:27
